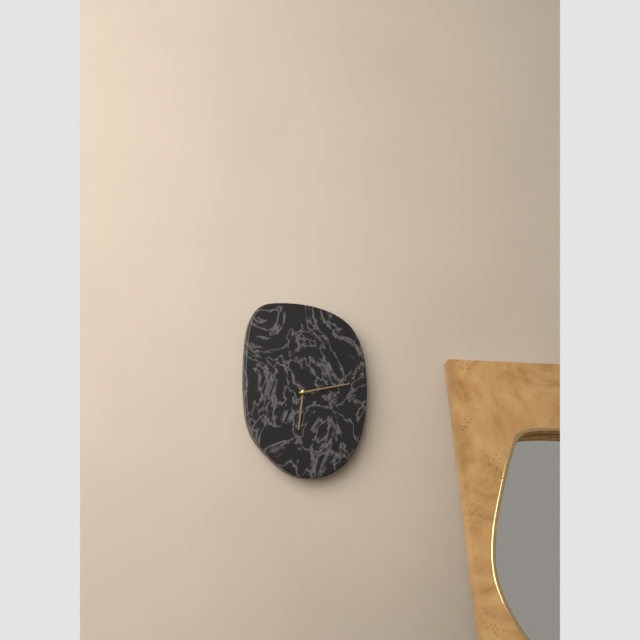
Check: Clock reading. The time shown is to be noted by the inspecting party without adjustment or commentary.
6:13
